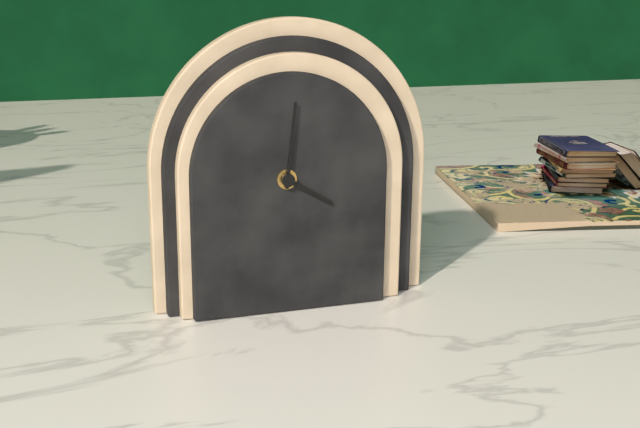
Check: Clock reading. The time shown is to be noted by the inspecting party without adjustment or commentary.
4:01
